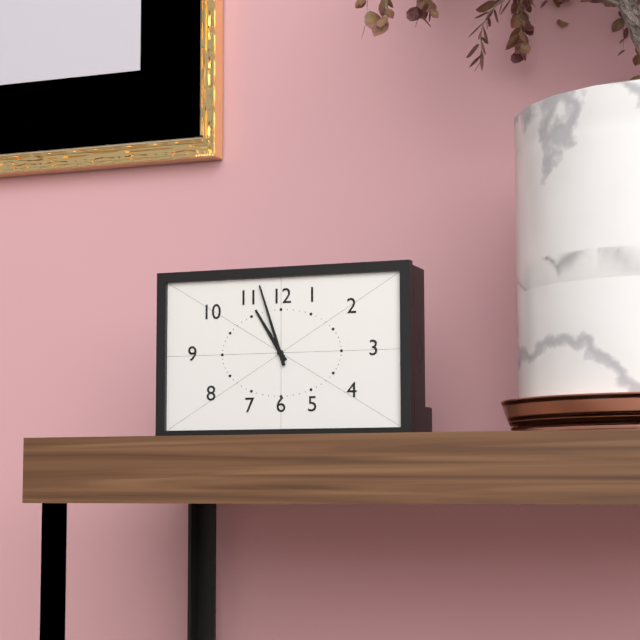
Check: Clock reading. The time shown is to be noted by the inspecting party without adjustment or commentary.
10:57
